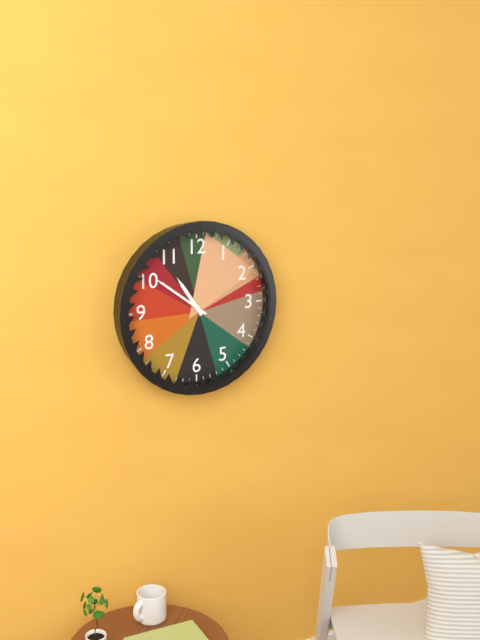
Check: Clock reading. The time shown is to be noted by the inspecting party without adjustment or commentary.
10:51
